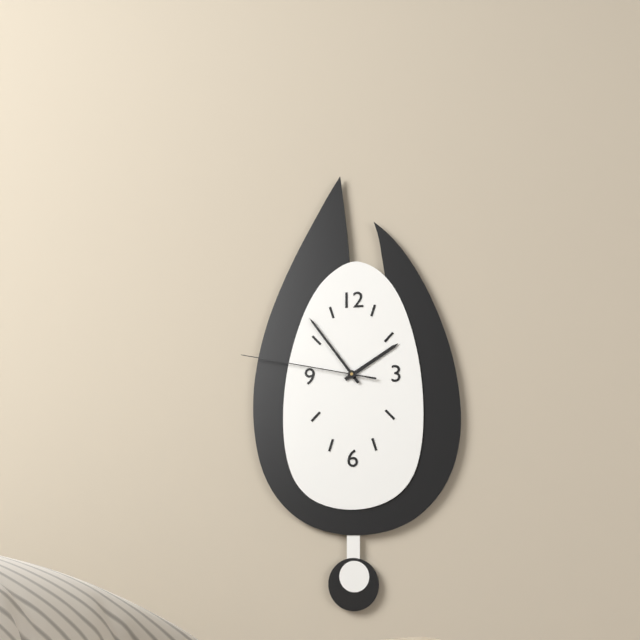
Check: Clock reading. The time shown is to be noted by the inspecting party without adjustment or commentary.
1:54:47
